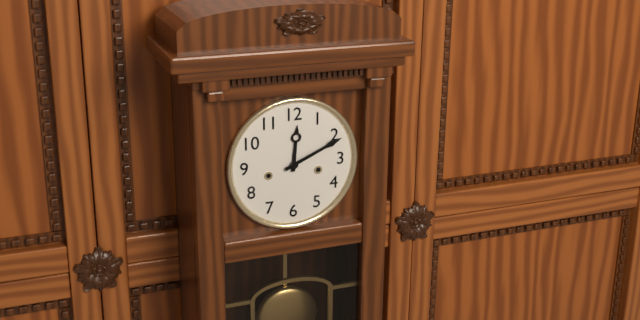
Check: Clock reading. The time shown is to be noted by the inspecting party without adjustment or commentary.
12:11
